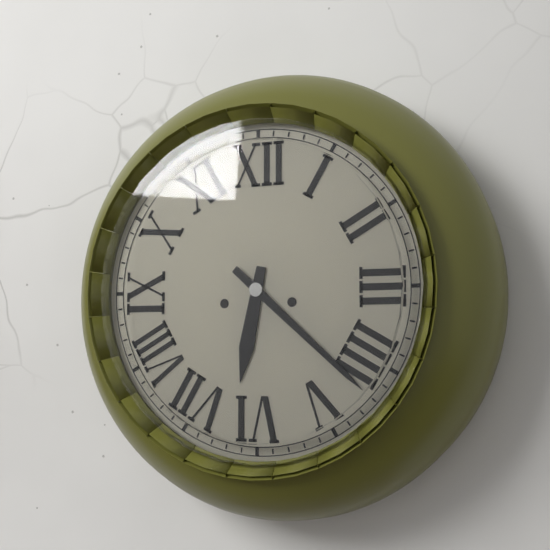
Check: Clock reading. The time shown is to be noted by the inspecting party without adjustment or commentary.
6:22
